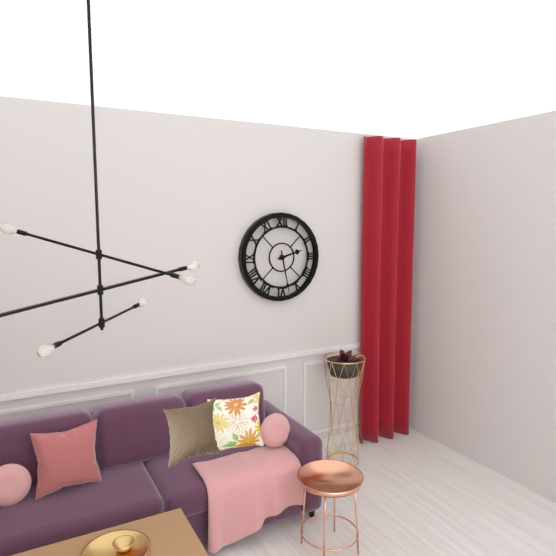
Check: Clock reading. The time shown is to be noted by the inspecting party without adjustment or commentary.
2:28
